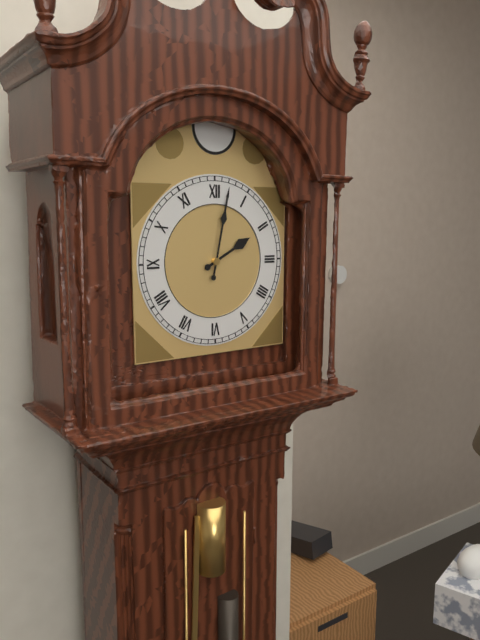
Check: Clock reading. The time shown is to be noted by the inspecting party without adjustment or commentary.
2:02
